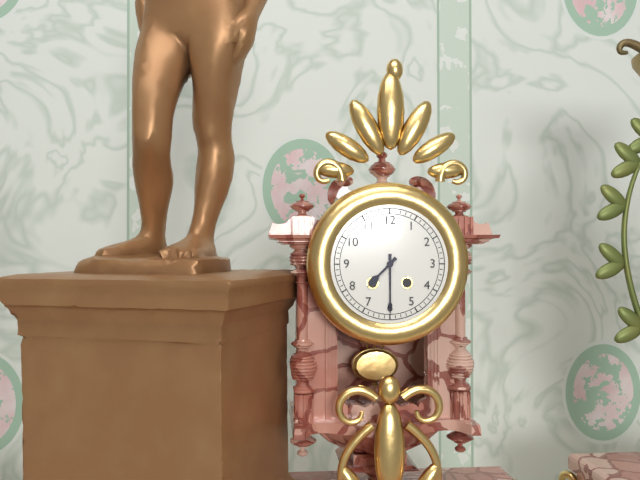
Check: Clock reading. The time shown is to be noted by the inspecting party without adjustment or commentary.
7:30
